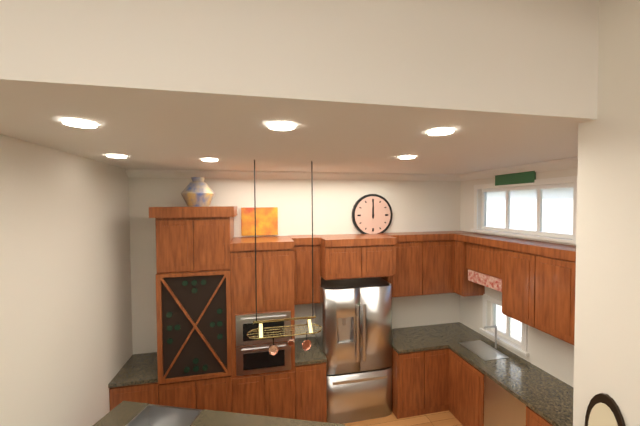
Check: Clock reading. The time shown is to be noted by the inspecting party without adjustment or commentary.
12:00
